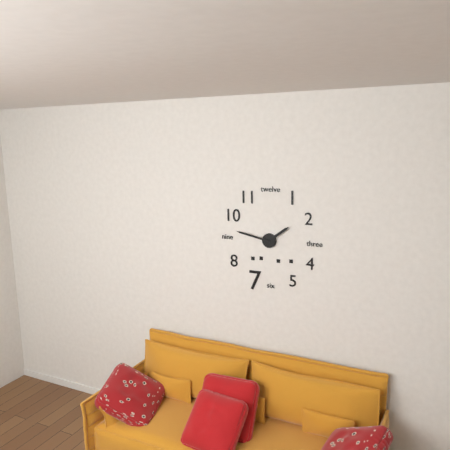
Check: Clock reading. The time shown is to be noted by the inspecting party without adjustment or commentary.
1:47
